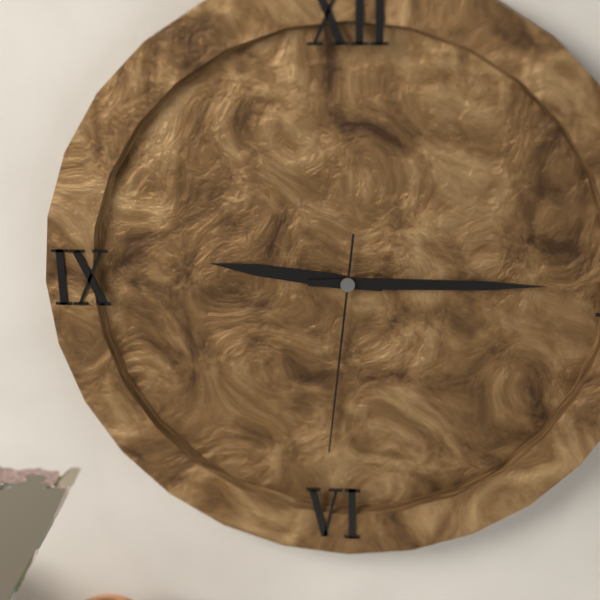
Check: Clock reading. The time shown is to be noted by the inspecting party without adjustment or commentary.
9:15:31
